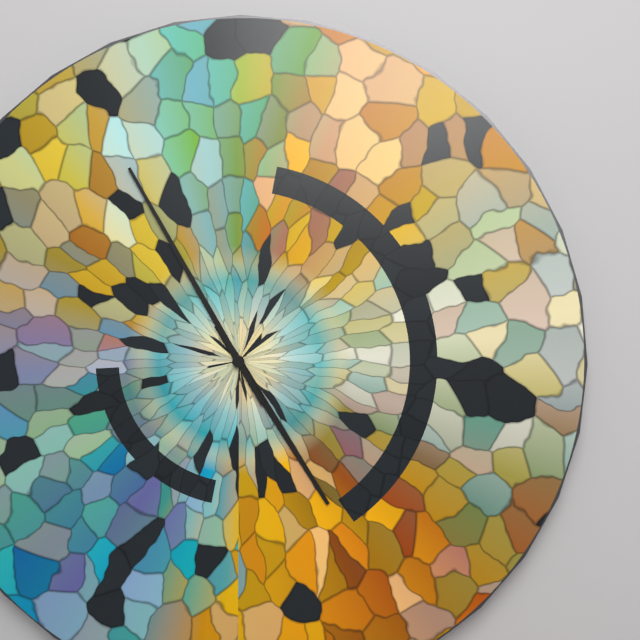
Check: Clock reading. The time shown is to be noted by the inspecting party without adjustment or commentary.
4:55
